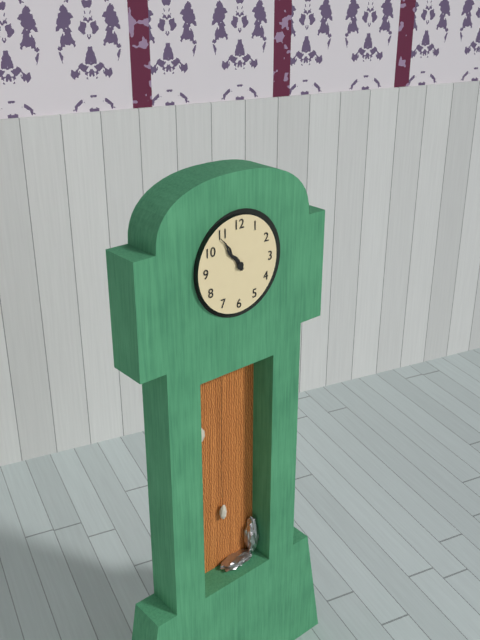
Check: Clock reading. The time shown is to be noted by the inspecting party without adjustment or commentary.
10:54
